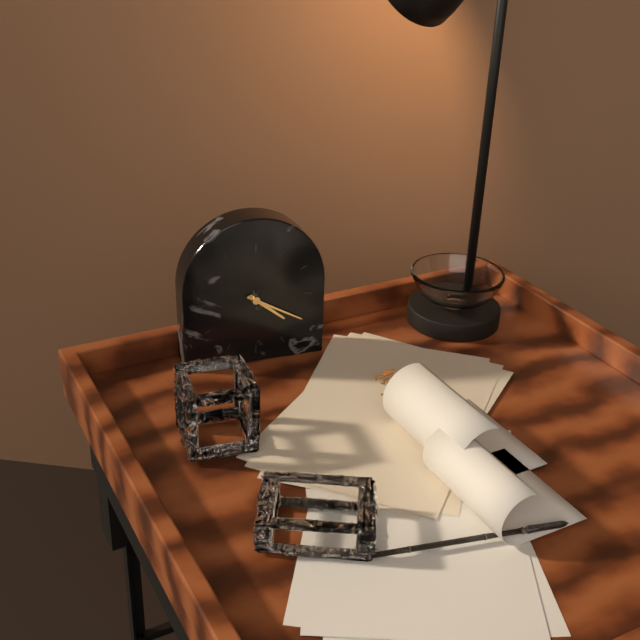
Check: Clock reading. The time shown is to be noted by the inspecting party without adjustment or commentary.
4:20
